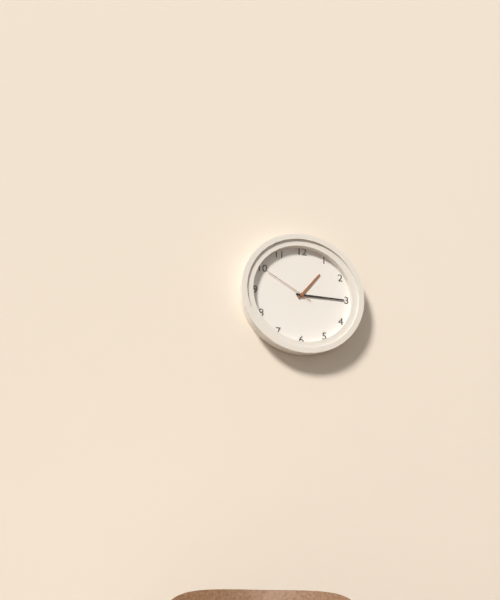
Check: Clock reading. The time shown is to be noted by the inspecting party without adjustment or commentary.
1:15:50
